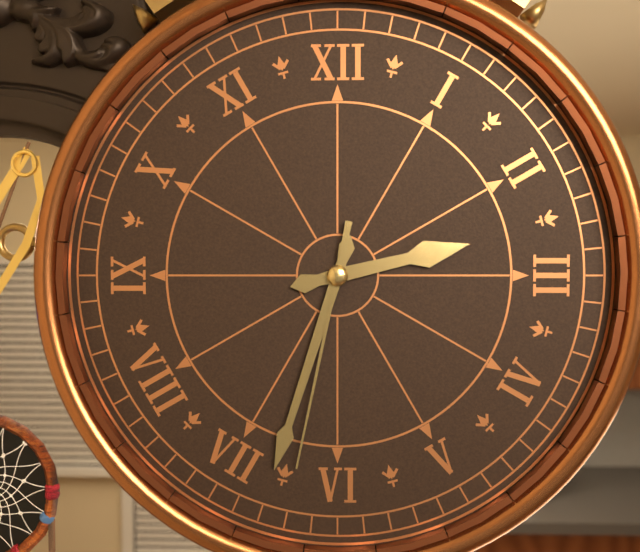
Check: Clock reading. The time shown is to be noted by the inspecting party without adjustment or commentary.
2:33:32
